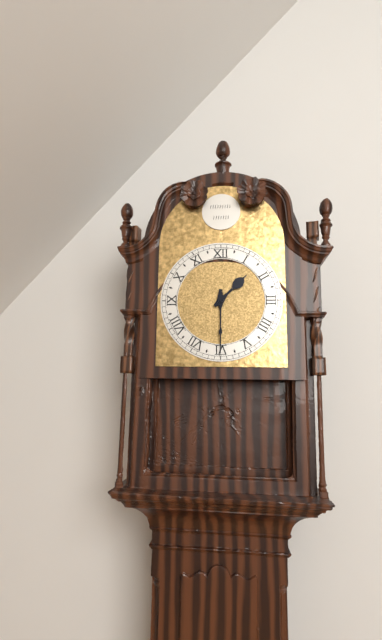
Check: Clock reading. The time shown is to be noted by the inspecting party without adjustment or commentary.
1:30
